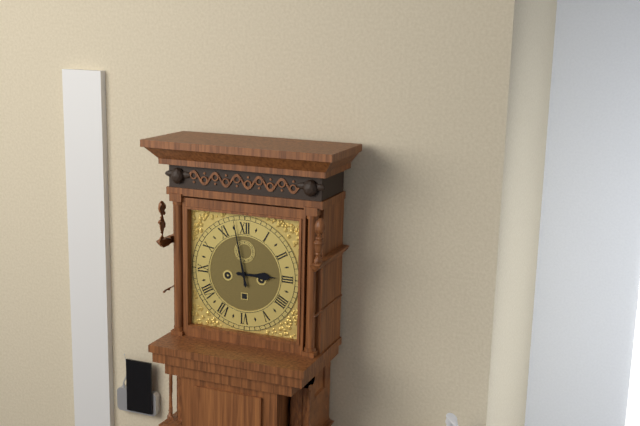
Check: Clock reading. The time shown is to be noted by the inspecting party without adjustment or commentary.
2:58
